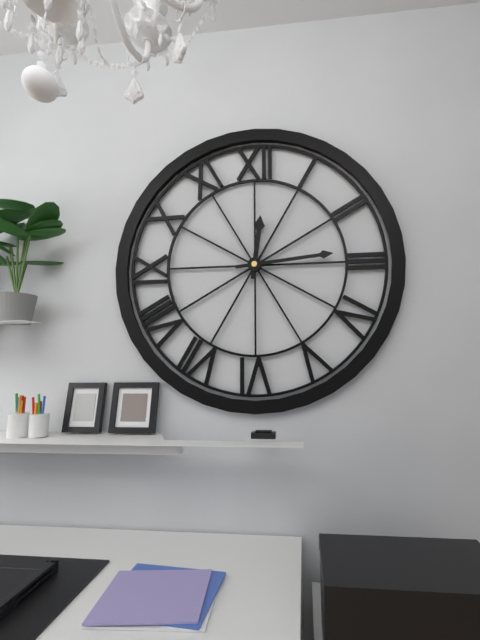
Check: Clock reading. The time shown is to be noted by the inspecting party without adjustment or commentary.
12:14
